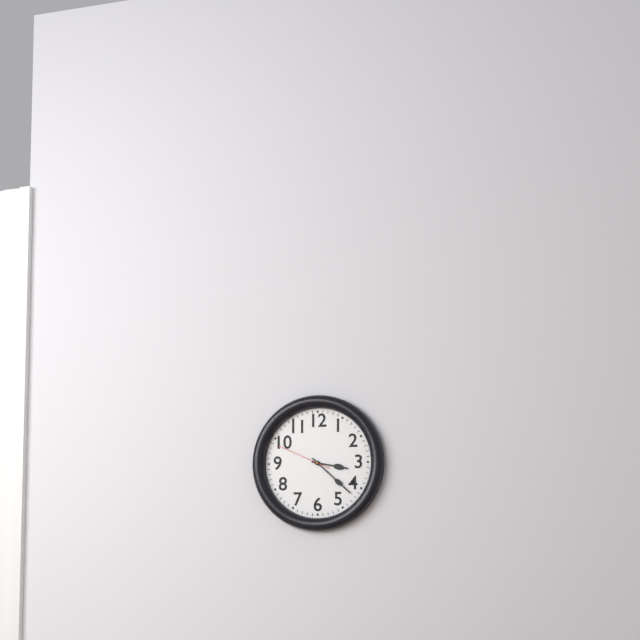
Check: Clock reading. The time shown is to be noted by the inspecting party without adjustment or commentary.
3:22:49
